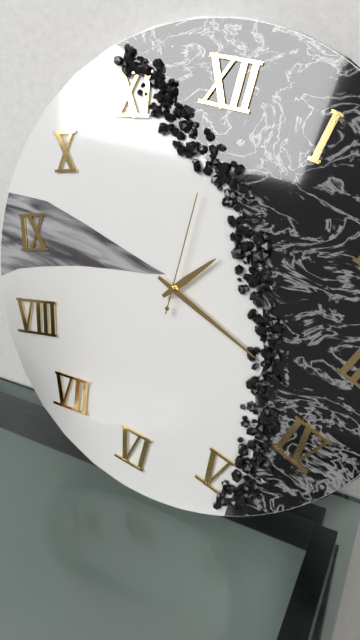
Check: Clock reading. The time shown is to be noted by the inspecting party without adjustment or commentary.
1:18:00
